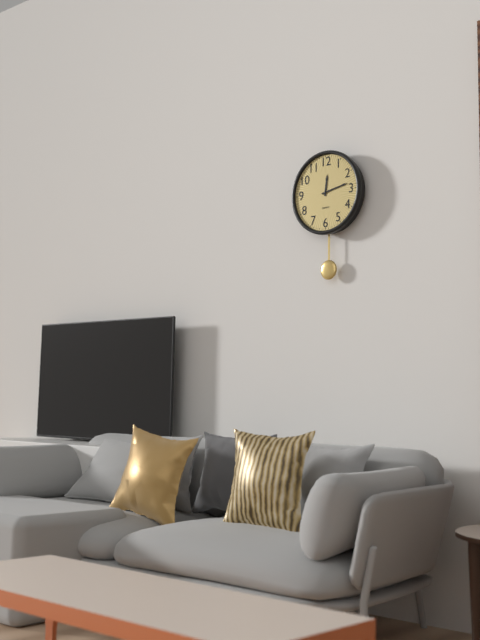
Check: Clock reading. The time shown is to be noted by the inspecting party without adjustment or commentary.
12:13
